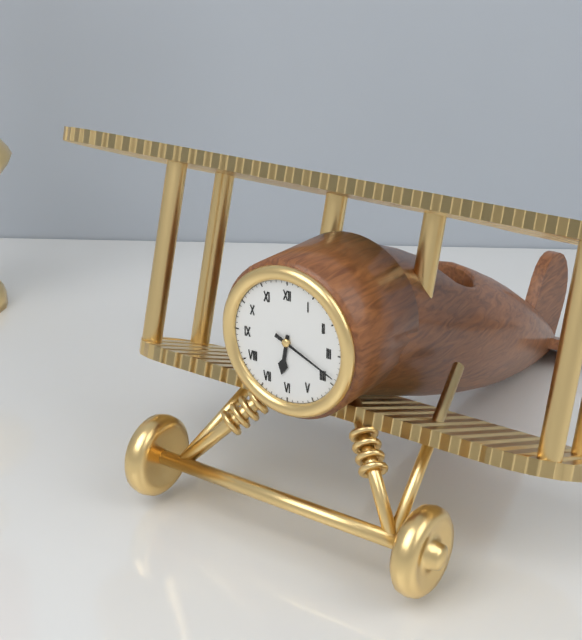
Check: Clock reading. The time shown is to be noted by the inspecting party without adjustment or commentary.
6:19
